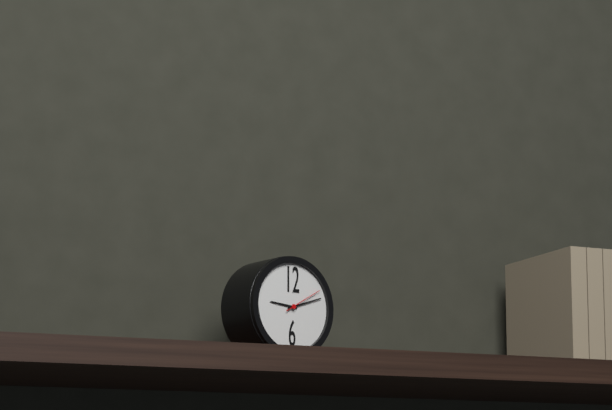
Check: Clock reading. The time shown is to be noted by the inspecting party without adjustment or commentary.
9:12
